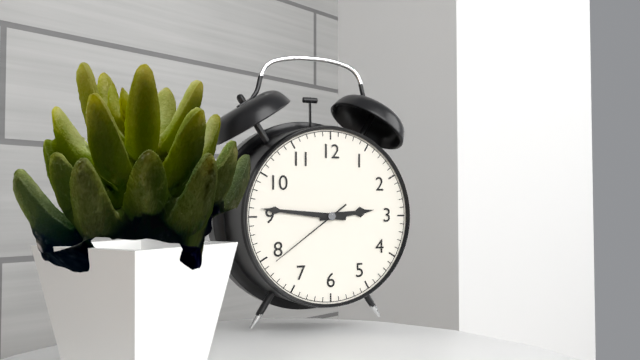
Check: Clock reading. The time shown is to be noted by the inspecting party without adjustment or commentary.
2:46:39
